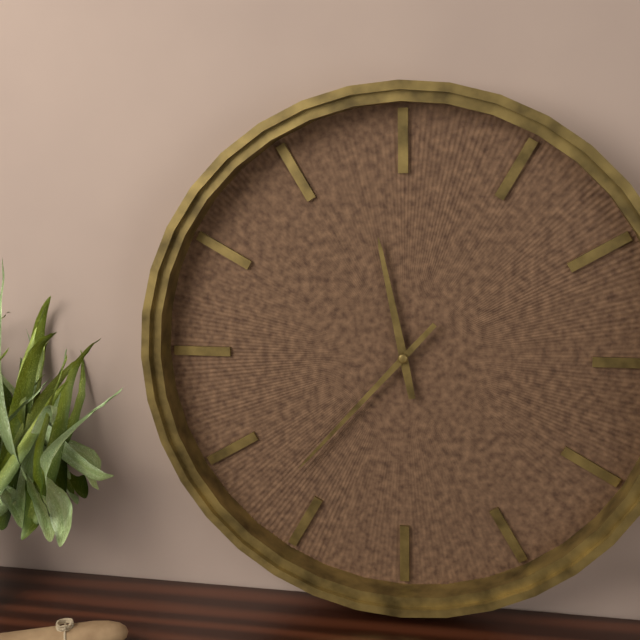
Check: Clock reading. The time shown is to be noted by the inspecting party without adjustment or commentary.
11:37
